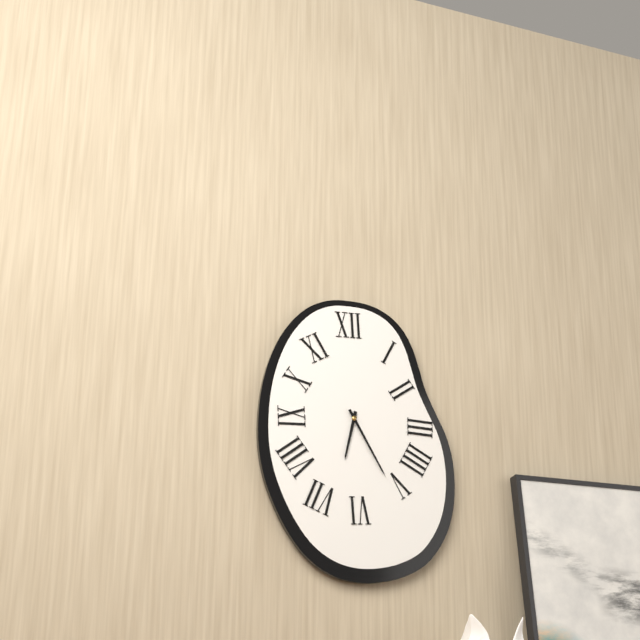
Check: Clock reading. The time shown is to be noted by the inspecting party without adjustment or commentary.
6:25
